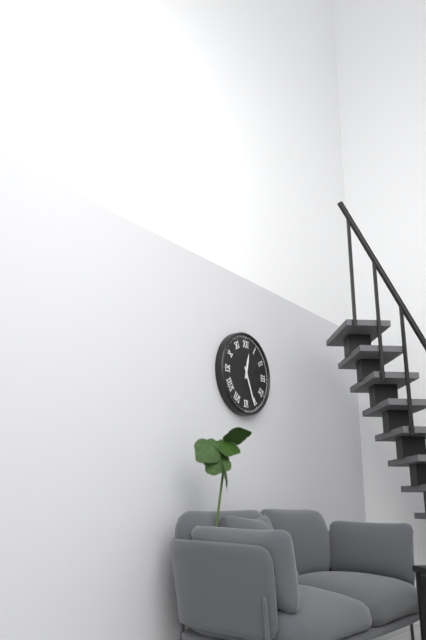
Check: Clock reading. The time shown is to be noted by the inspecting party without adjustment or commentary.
12:26
